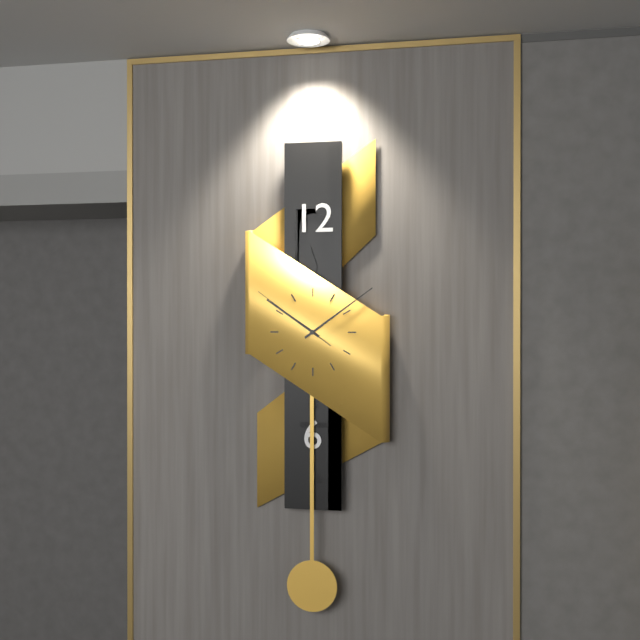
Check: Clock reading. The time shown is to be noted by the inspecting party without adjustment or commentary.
10:09:51
